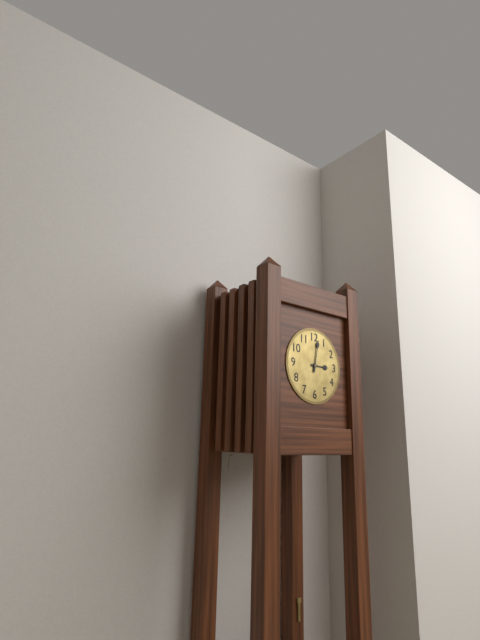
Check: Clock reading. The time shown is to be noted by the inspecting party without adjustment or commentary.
3:02
